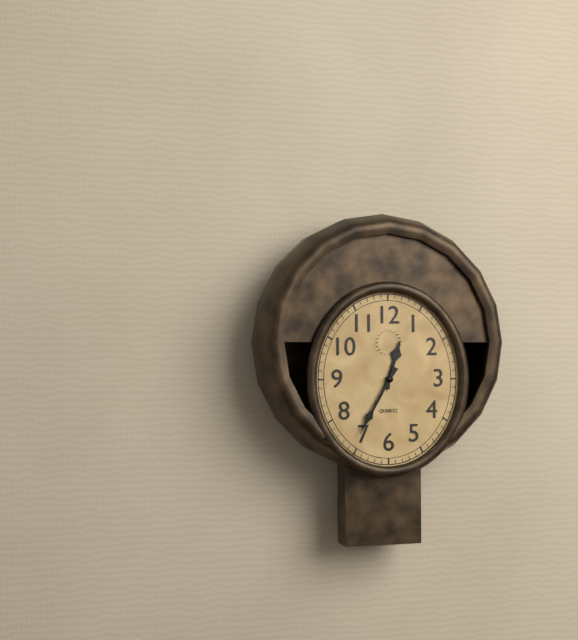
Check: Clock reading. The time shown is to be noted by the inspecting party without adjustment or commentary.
12:35
